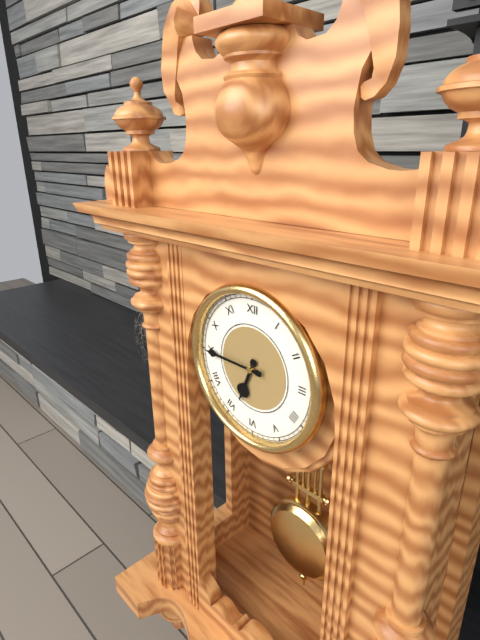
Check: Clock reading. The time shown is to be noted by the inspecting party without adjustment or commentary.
6:45
